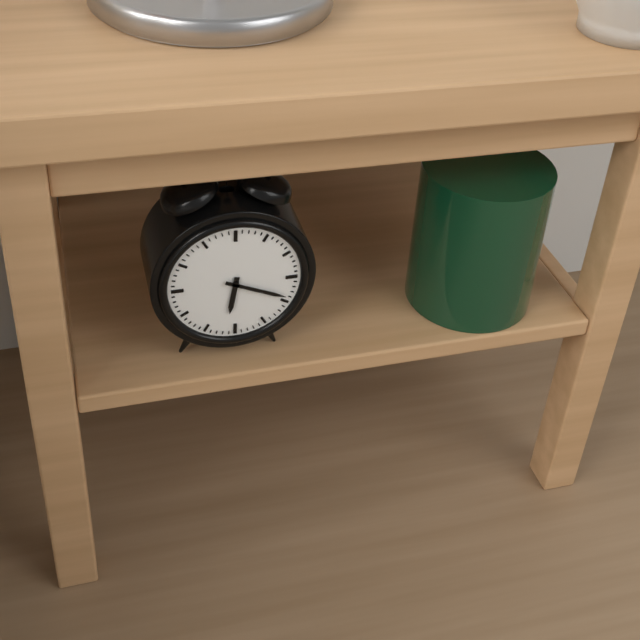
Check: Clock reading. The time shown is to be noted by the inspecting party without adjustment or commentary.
6:19
